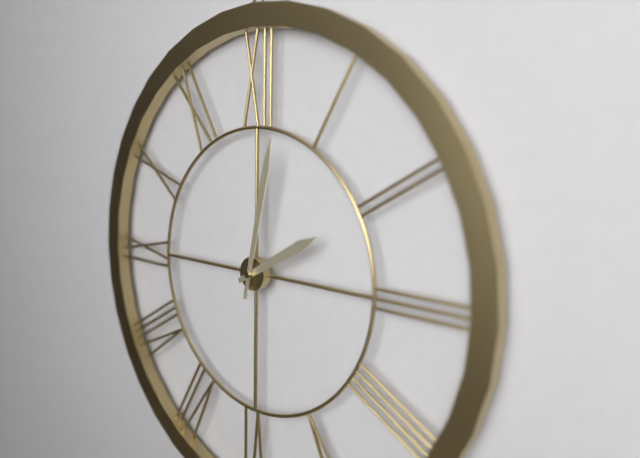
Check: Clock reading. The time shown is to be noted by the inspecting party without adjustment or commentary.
2:02
